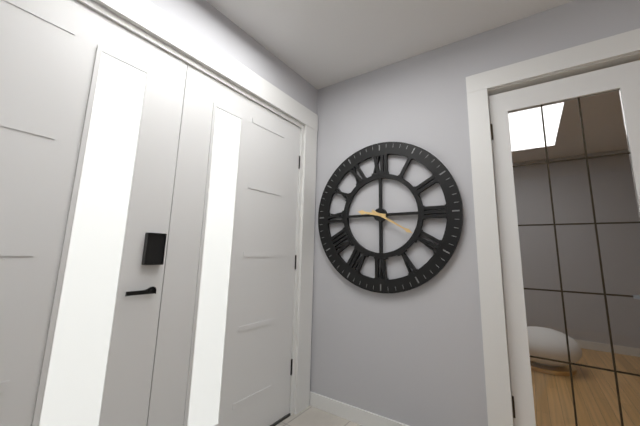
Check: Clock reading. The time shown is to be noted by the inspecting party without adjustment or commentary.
9:20
